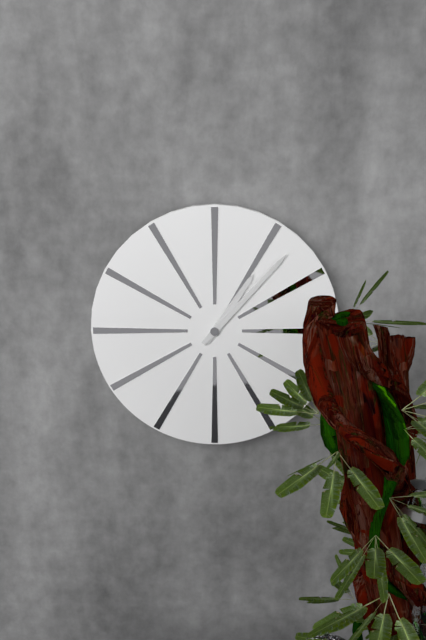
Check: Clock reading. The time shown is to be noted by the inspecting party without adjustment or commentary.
1:07
